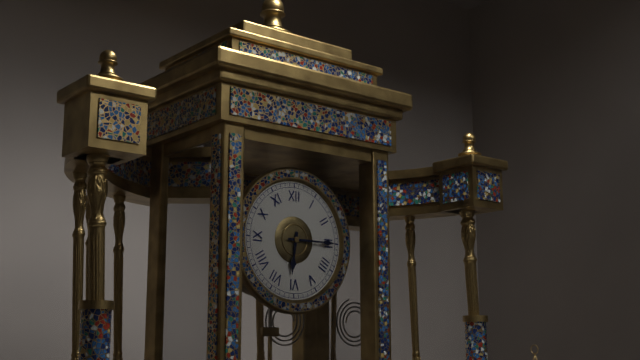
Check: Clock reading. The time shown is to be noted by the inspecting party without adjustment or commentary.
6:15
